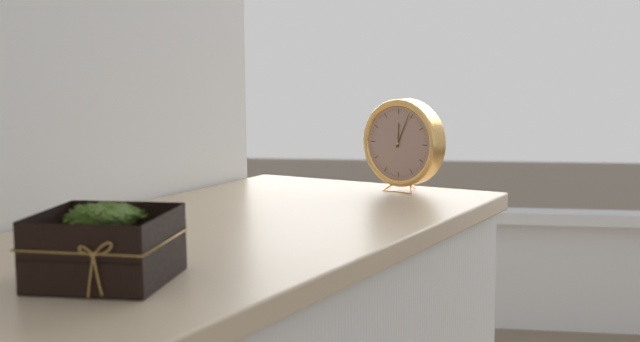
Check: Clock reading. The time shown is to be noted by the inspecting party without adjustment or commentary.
12:04
